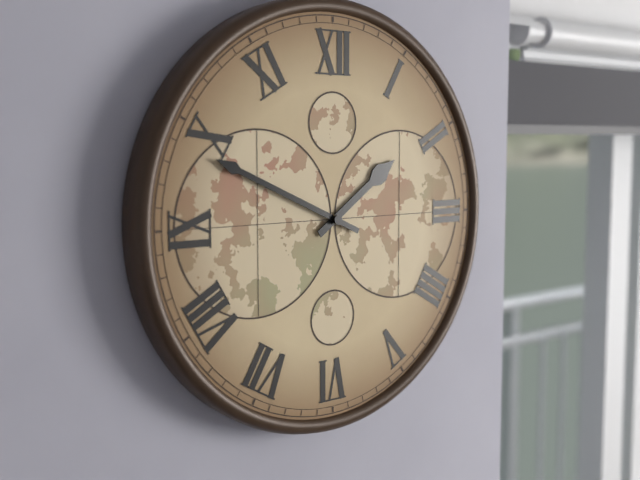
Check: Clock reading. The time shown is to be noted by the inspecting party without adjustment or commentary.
1:49
